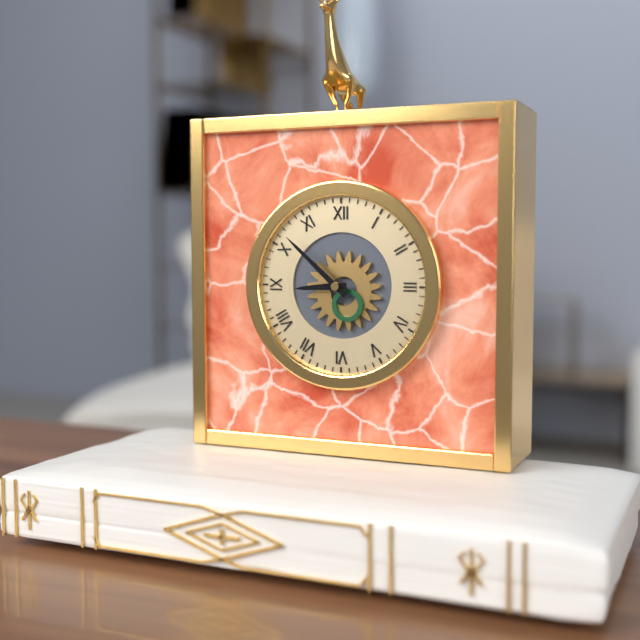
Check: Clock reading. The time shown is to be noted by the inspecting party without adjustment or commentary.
8:52
